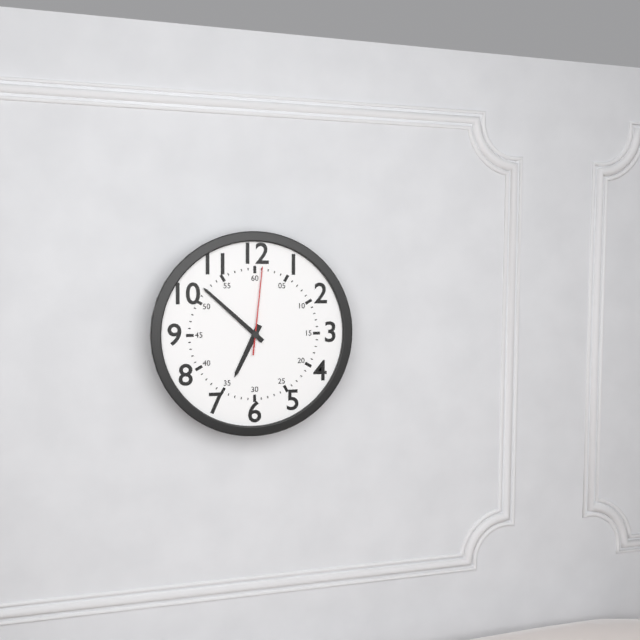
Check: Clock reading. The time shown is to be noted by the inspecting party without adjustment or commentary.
6:52:01
